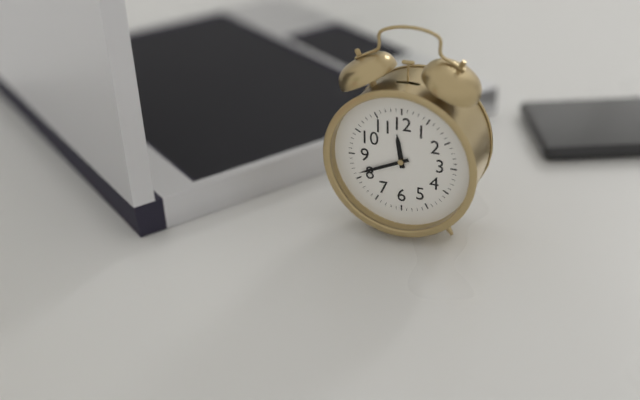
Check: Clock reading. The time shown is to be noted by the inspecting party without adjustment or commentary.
11:41
